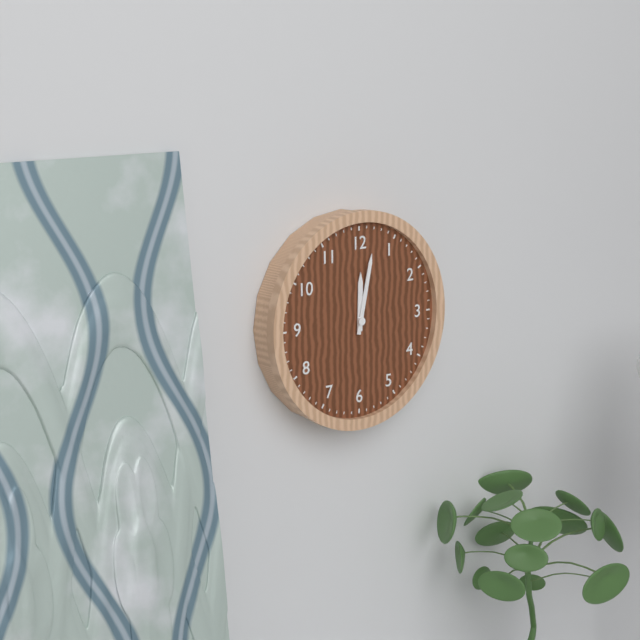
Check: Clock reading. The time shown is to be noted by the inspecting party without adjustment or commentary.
12:02
